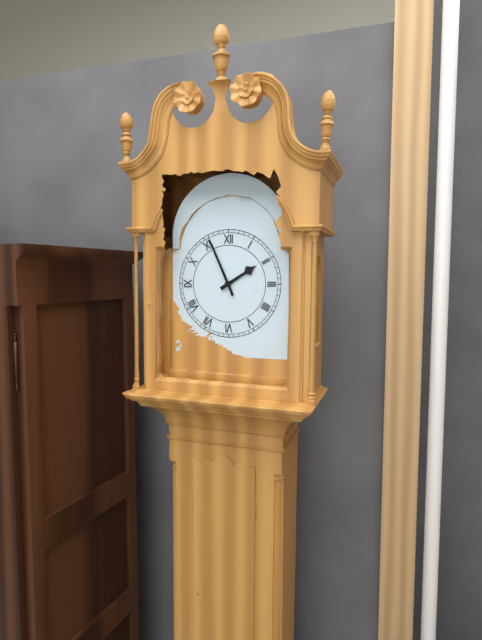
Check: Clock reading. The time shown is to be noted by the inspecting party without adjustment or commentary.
1:56
